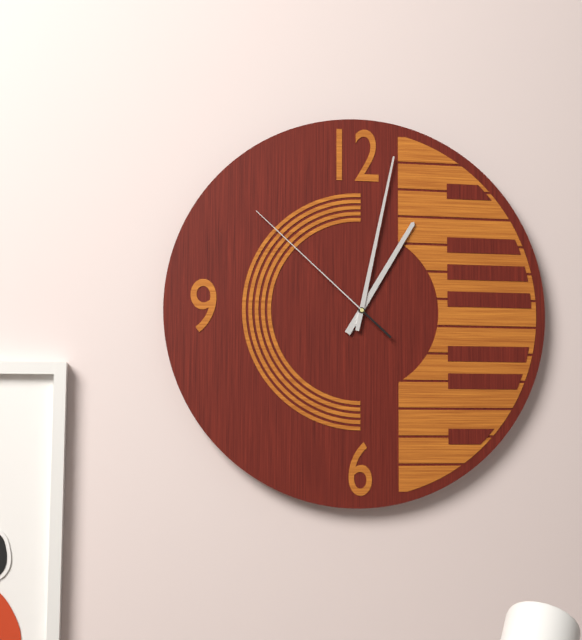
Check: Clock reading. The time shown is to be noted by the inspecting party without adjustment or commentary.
1:02:52
